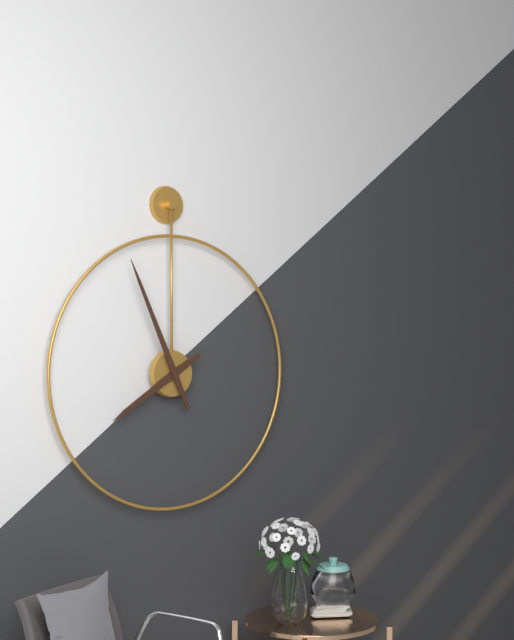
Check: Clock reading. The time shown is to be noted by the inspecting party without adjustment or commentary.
7:56
